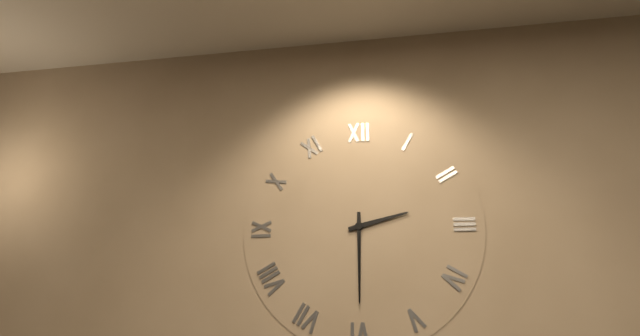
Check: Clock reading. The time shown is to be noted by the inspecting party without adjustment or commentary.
2:30
